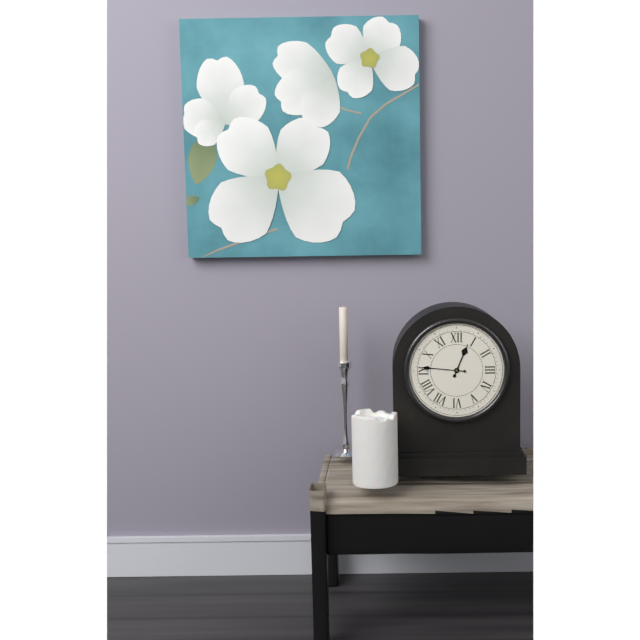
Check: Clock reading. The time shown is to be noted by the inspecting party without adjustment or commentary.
12:46
